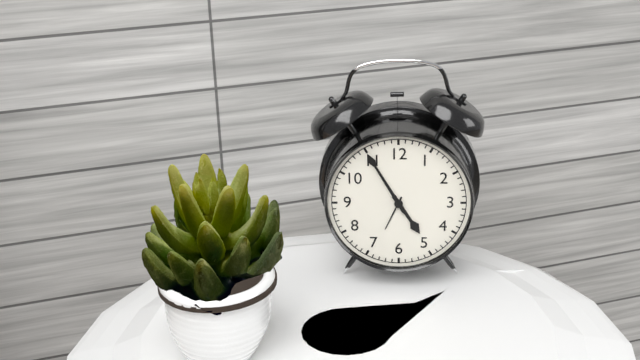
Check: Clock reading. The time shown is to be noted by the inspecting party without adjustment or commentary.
4:55
